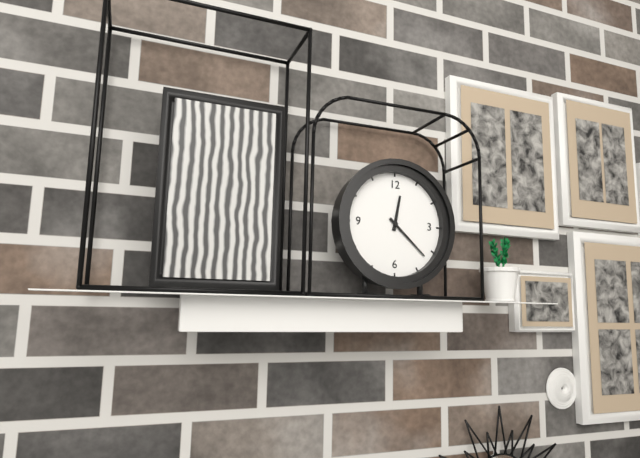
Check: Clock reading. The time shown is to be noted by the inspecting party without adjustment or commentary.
12:22
